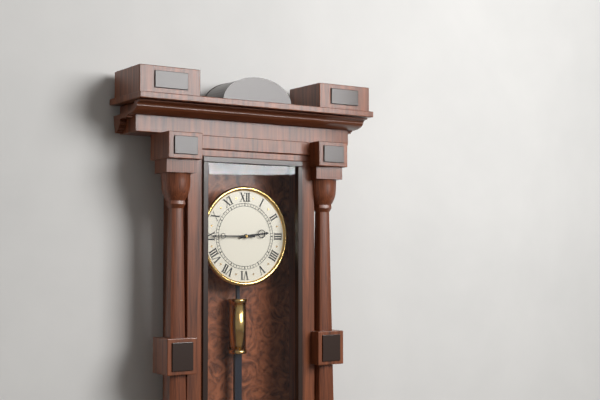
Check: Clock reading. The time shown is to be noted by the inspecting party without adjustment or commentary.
2:45
